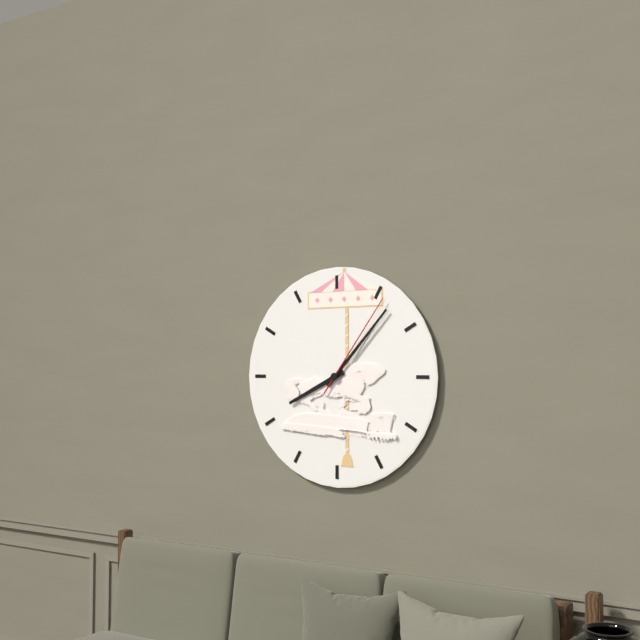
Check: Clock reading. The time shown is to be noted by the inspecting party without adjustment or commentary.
8:07:06
